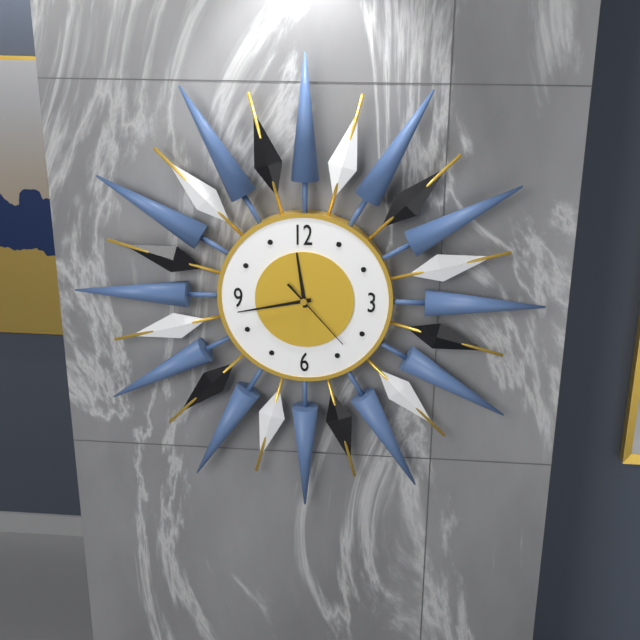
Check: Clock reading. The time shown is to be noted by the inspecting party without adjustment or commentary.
11:43:23
